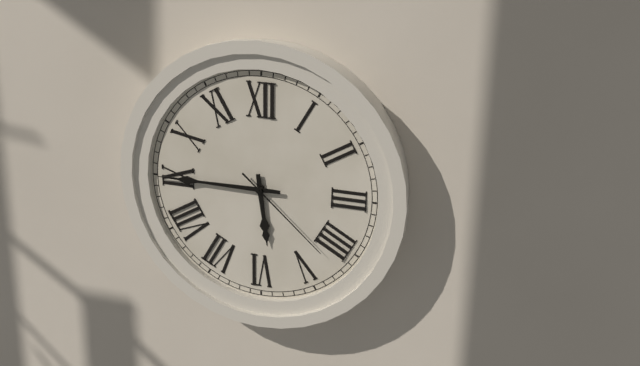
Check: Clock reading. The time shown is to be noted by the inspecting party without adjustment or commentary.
5:45:22
